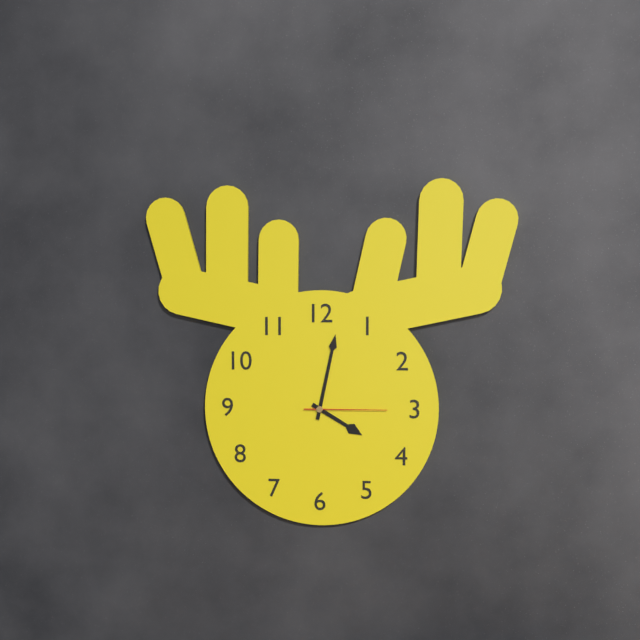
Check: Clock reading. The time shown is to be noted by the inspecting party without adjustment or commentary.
4:02:15
